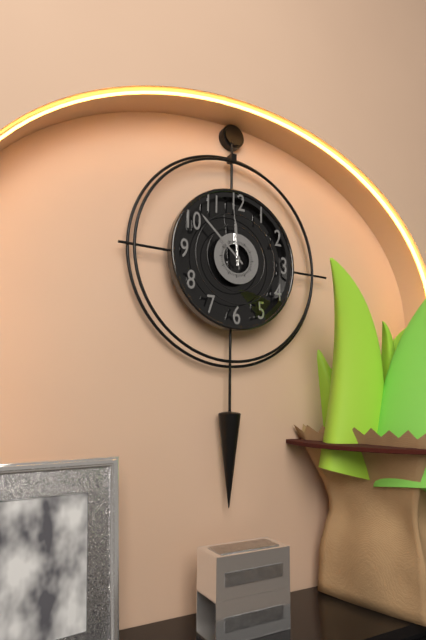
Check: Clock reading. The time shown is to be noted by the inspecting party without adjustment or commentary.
11:52:59
